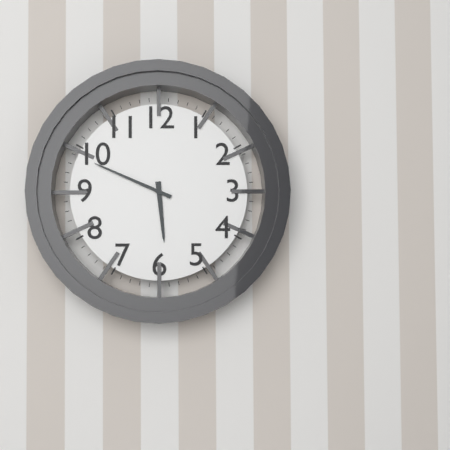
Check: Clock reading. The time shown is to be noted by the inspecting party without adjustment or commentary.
5:49
